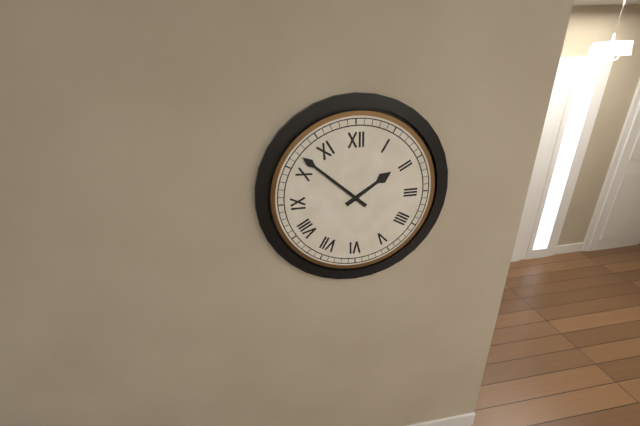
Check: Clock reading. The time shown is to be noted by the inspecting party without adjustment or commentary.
1:52
